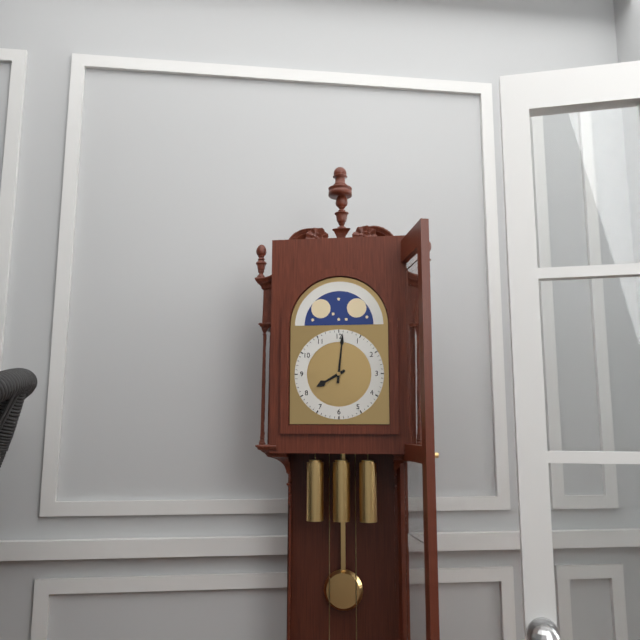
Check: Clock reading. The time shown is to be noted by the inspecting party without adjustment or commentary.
8:01
